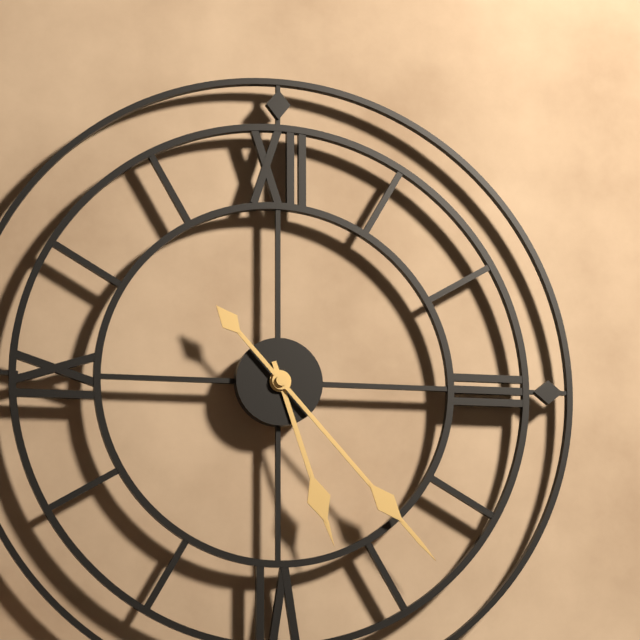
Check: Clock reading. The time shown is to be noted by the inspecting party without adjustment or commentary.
5:23
